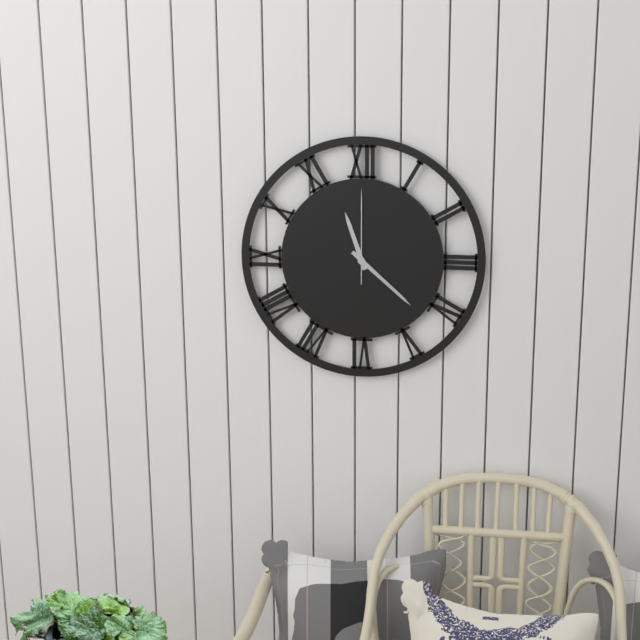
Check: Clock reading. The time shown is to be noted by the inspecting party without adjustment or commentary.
11:22:00
